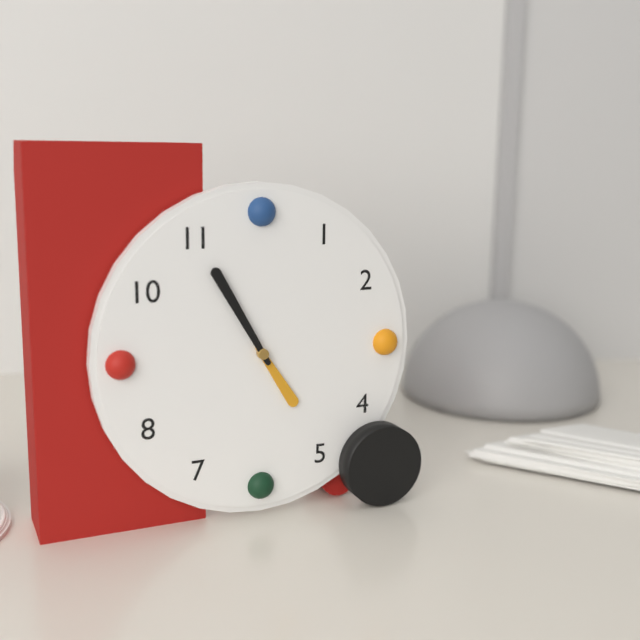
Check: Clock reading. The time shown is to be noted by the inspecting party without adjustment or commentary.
4:55
